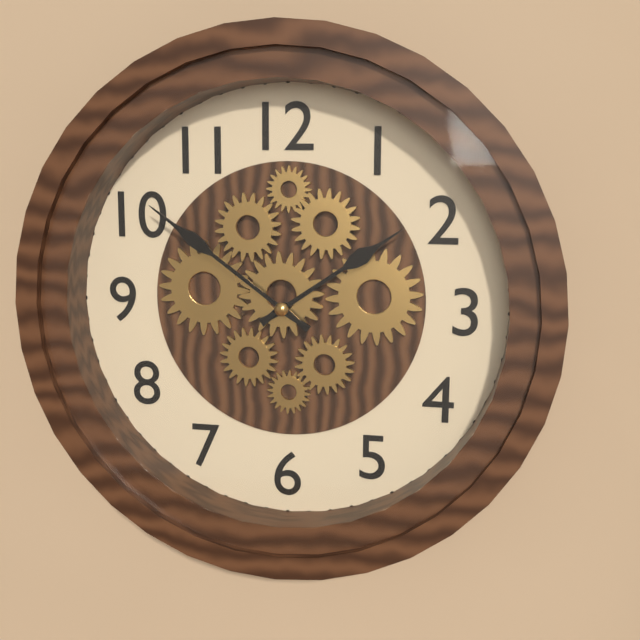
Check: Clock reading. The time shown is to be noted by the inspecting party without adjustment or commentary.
1:51
